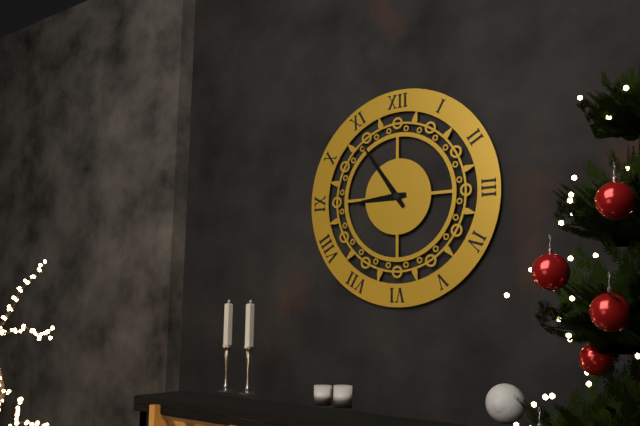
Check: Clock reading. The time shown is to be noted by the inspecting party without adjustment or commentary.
8:54
